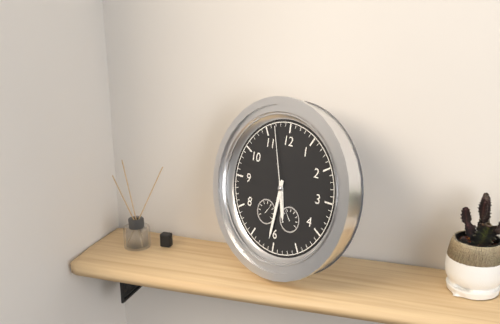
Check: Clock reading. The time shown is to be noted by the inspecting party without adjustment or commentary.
5:31:57
